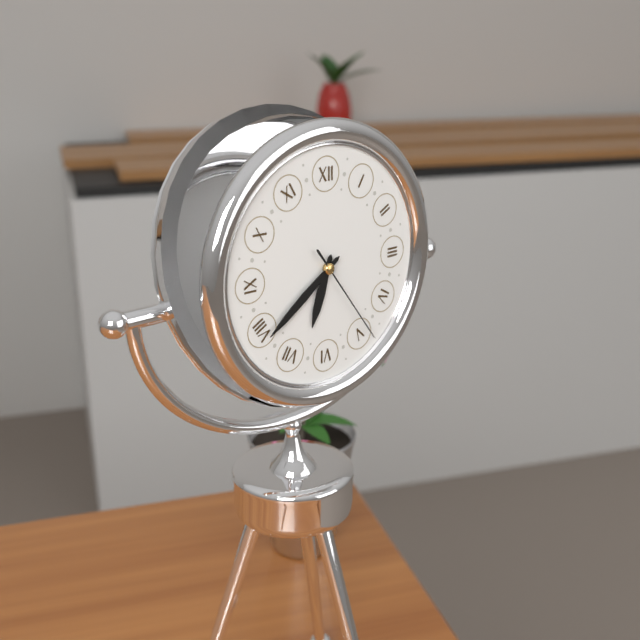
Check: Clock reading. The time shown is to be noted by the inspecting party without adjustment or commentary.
6:39:24
